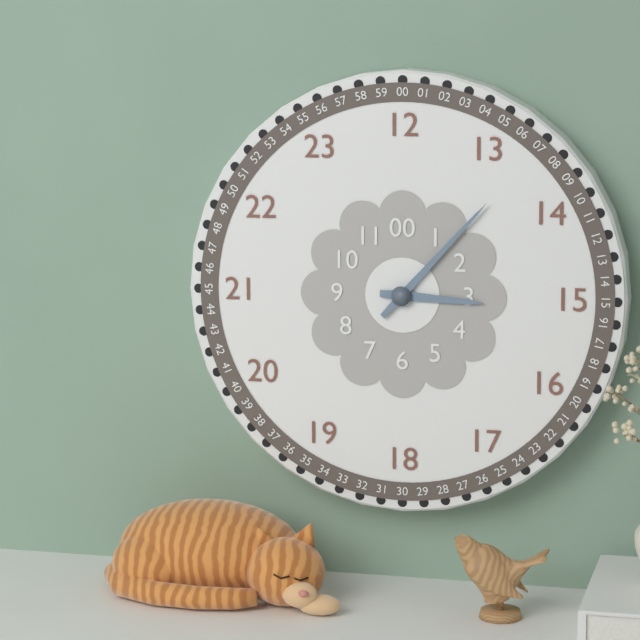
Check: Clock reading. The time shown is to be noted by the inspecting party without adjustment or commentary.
3:07
